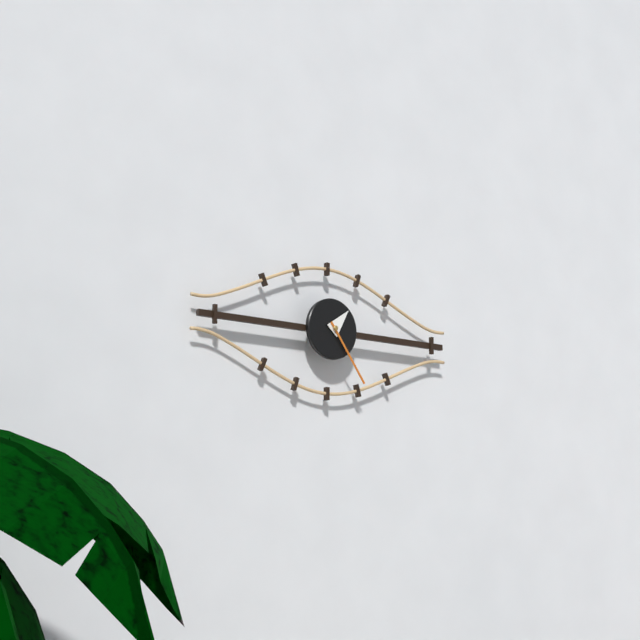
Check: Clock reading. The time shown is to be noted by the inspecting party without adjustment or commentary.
1:24
